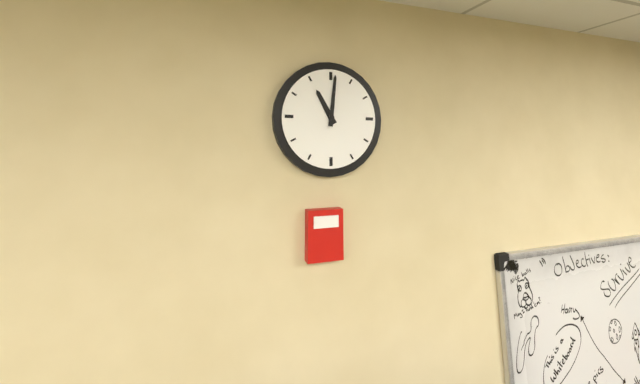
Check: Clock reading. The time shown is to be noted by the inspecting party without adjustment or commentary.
11:01
